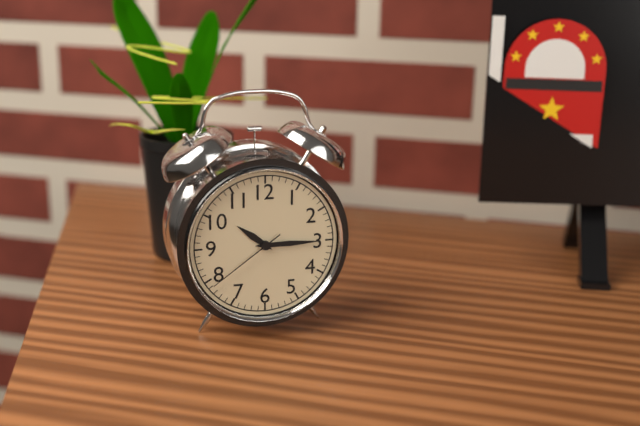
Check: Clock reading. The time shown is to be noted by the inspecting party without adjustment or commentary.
10:15:39
